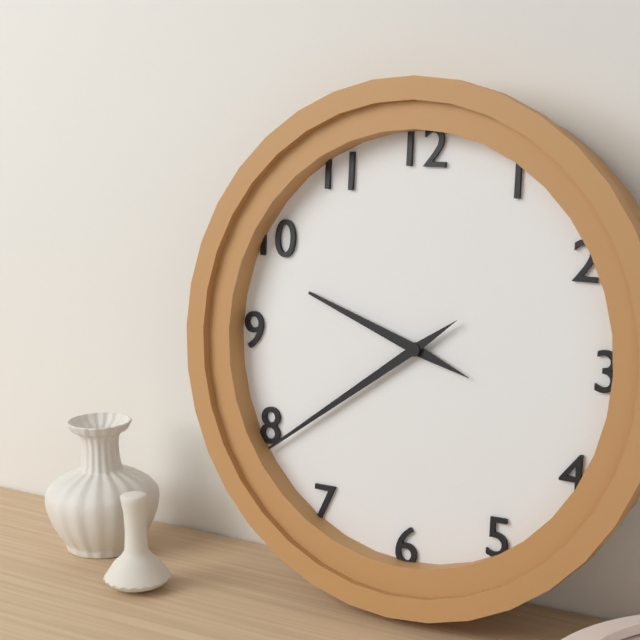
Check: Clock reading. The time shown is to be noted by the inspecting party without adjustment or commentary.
9:39
